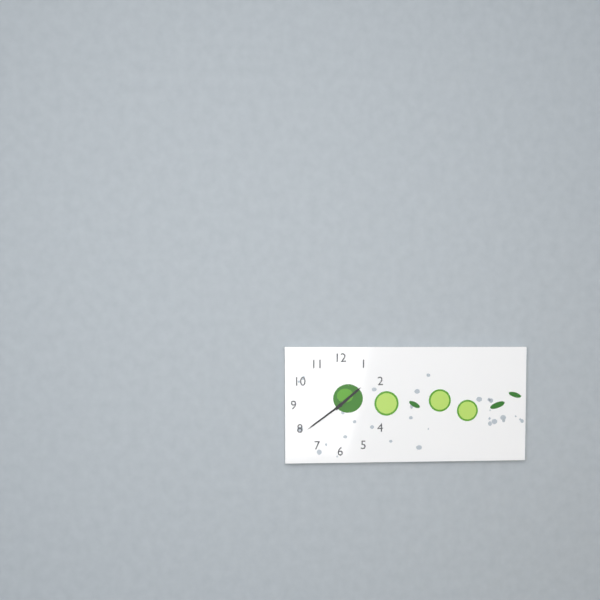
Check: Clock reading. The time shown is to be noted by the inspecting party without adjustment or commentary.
1:39
